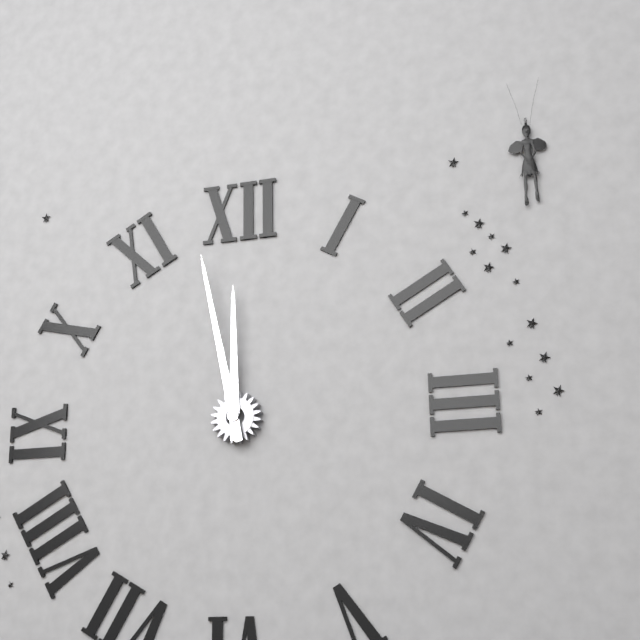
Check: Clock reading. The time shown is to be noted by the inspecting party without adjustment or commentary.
11:58
